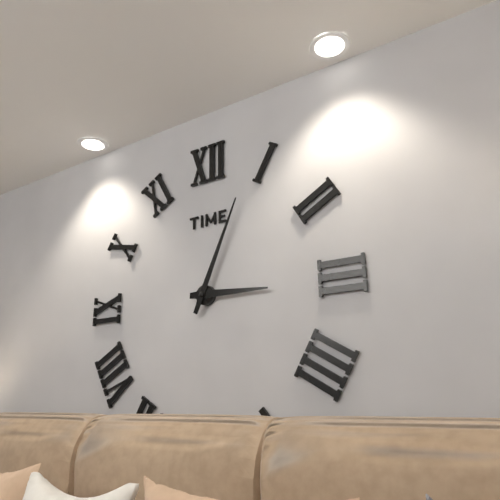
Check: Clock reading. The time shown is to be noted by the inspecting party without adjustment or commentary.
3:04
